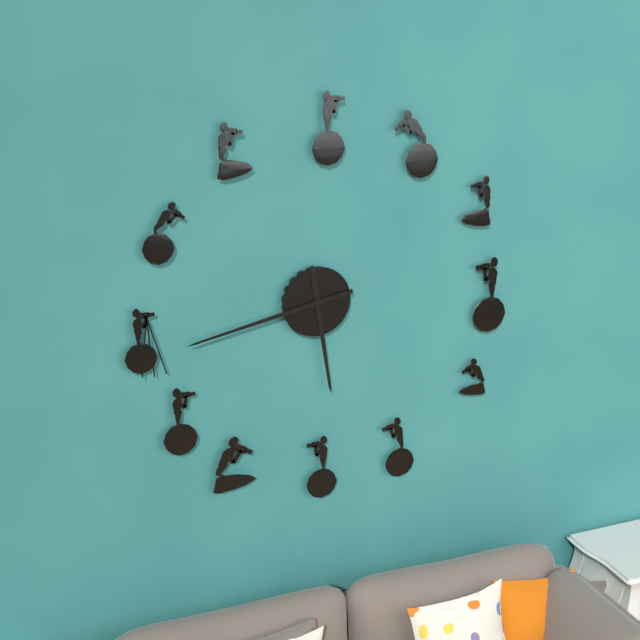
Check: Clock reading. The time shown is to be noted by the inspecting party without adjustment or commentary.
5:43
